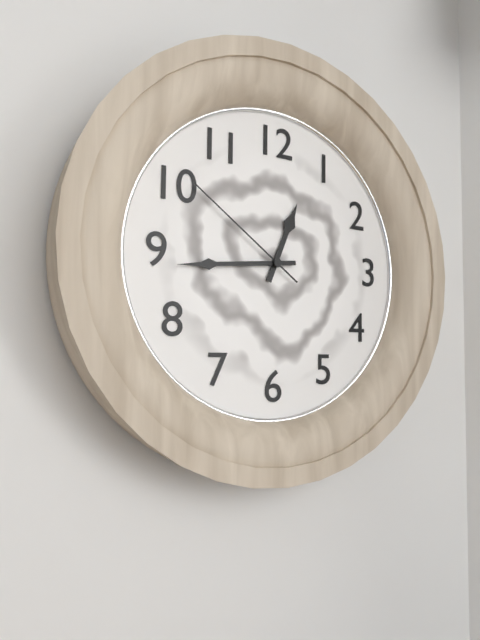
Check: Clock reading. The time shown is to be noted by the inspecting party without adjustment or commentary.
12:44:51
